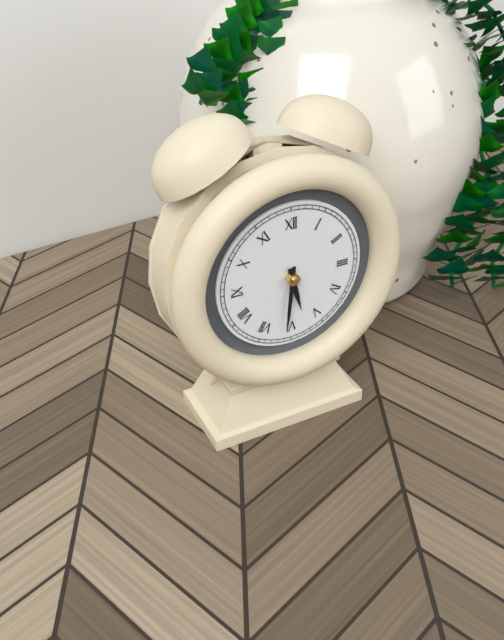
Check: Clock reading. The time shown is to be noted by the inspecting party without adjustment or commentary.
5:31
